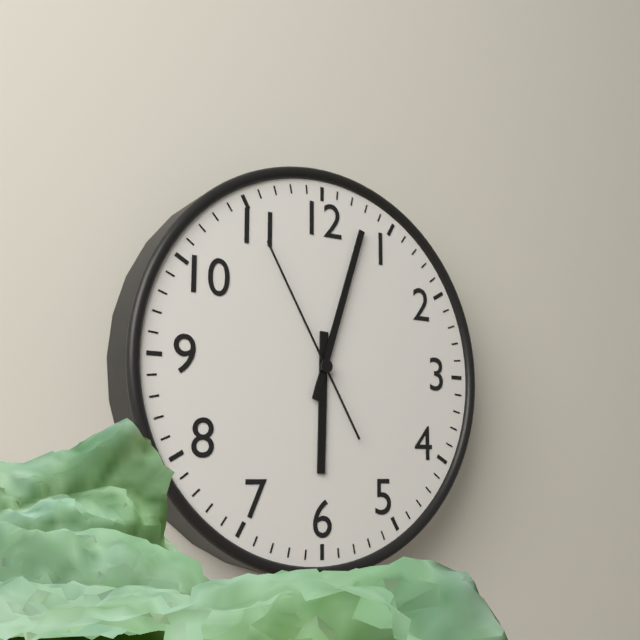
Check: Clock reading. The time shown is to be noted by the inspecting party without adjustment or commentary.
6:03:55
